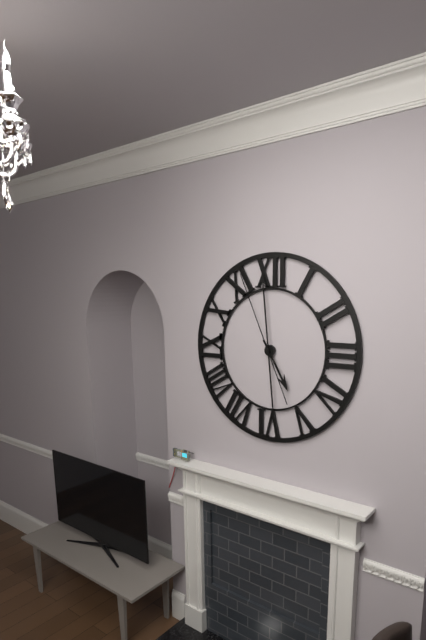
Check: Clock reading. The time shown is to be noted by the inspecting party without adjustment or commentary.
4:59:56
